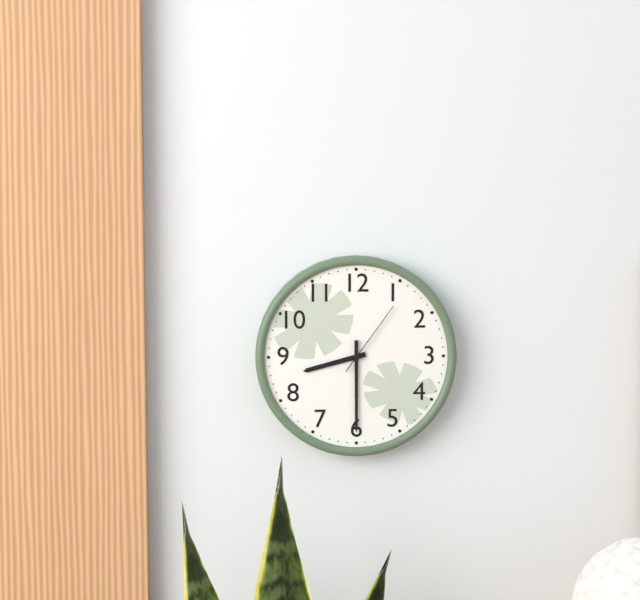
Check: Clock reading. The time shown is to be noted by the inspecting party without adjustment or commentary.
8:30:06
